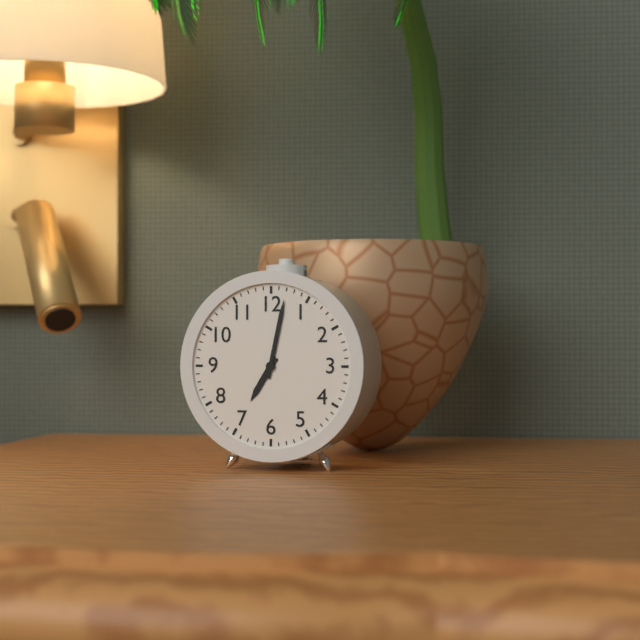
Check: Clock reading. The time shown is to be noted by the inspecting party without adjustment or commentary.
7:02
